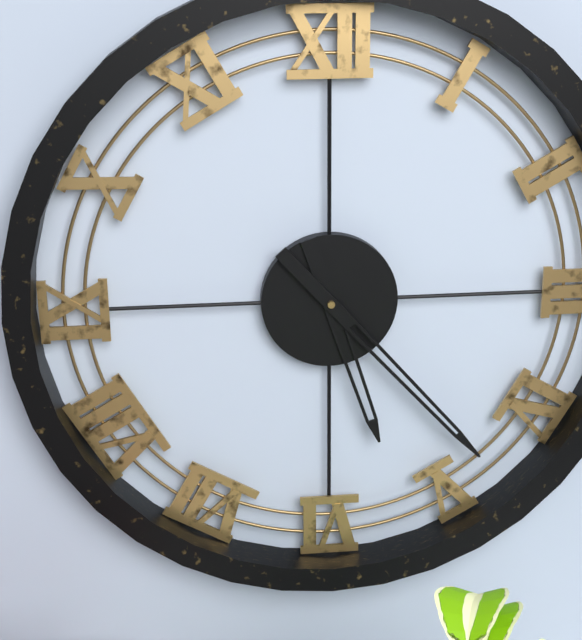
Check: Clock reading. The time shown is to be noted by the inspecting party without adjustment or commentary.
5:23
